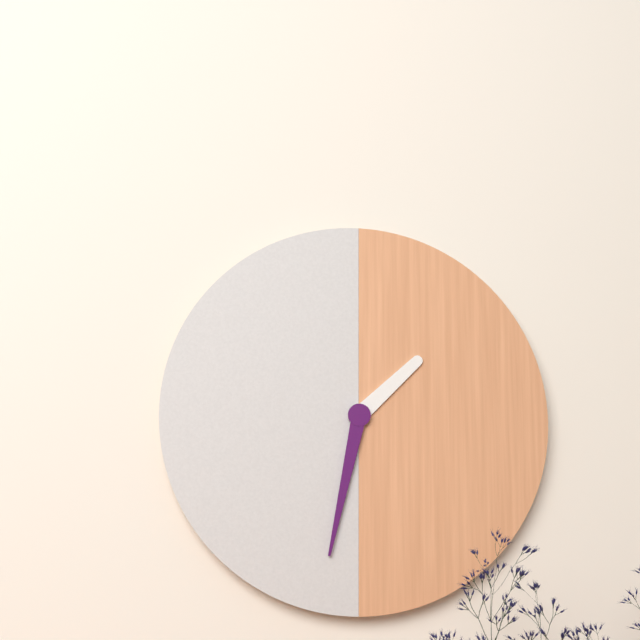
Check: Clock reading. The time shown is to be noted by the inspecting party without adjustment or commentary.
1:32
